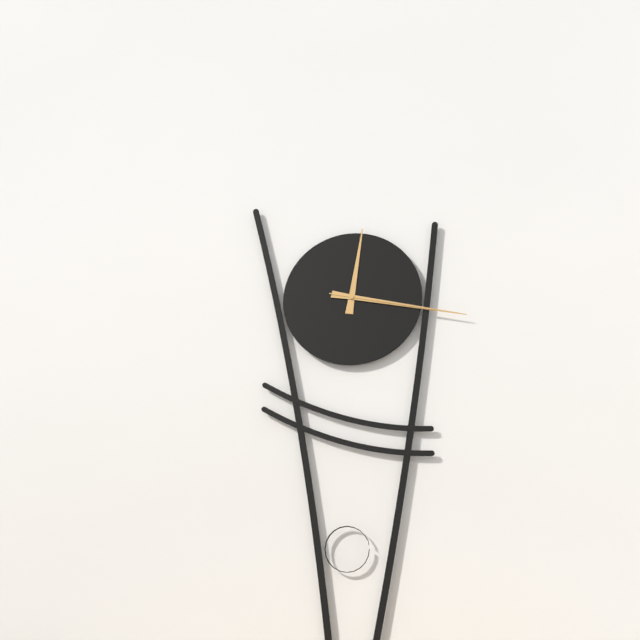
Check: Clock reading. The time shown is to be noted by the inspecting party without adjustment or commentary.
12:17:17
